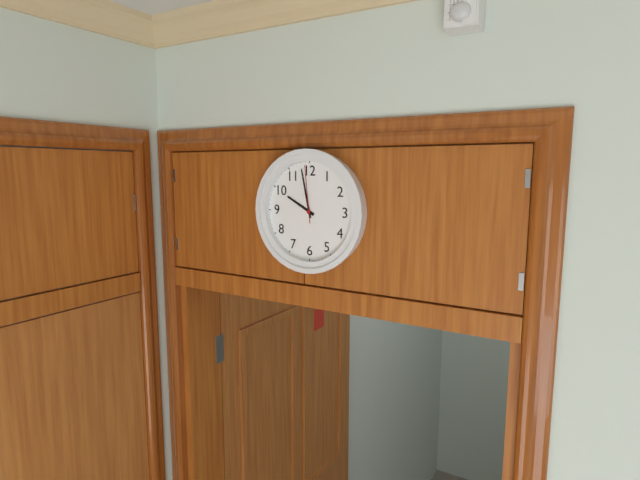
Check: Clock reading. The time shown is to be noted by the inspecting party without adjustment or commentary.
9:58:59
